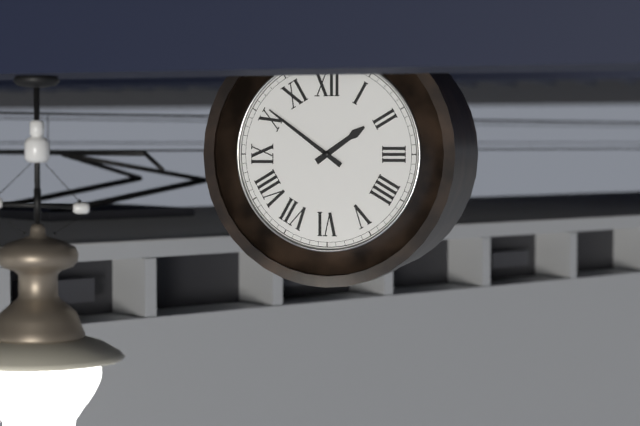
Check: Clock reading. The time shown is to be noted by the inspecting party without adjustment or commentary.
1:51
